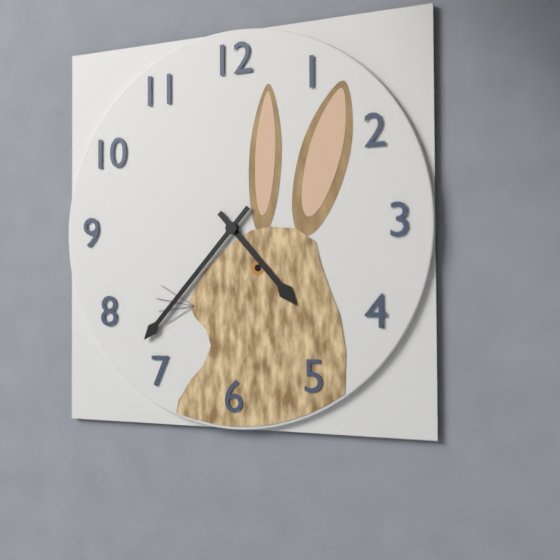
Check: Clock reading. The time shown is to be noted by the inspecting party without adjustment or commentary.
4:37
